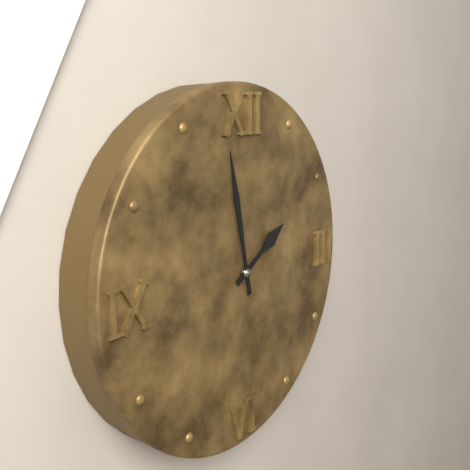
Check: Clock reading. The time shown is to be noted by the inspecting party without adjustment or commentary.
1:58
